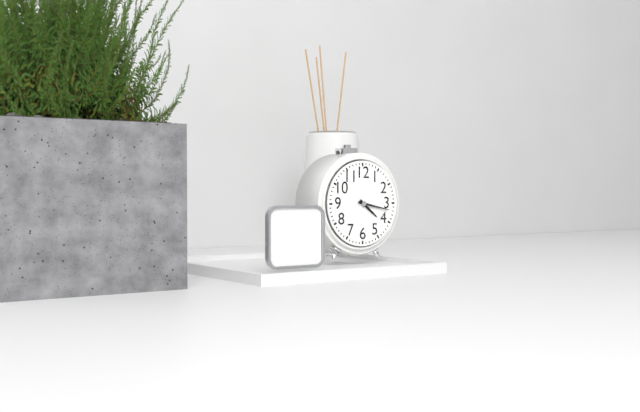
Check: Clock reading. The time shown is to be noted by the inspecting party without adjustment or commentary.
4:17
